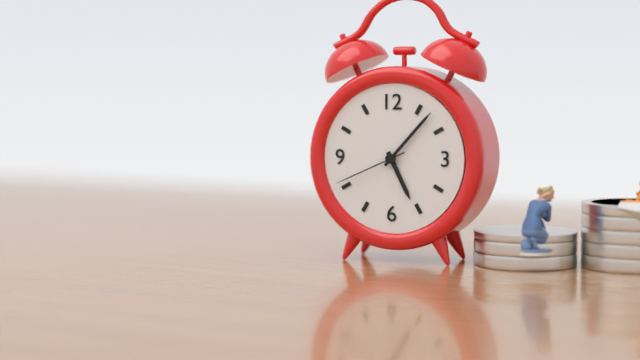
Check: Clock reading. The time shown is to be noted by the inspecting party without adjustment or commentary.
5:07:41
